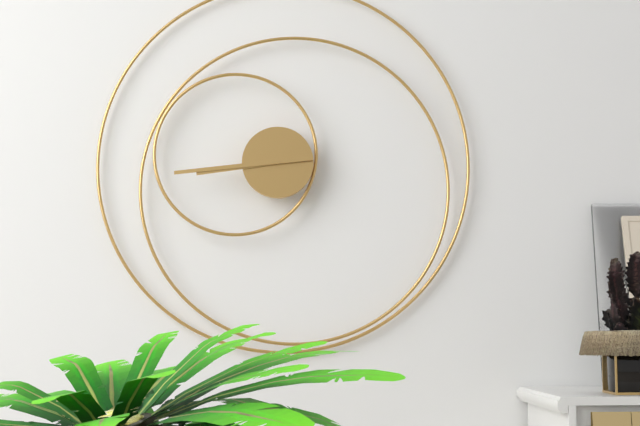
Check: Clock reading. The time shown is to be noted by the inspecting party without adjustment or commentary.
8:44
